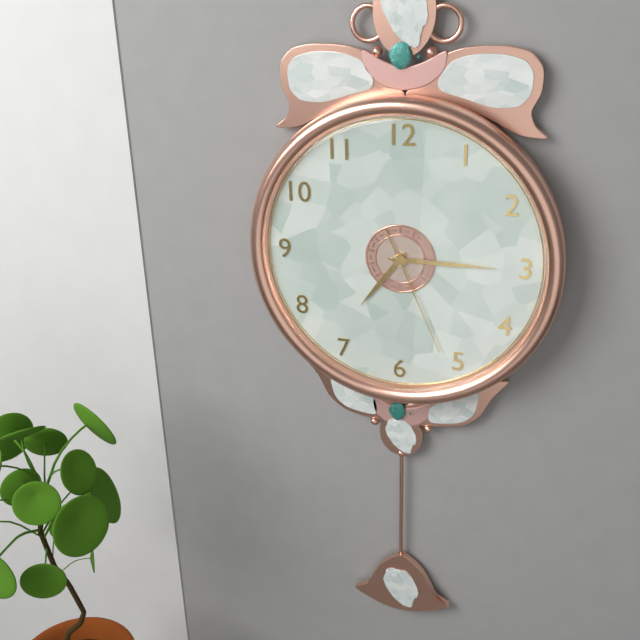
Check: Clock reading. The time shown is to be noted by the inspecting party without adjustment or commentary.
7:15:26
